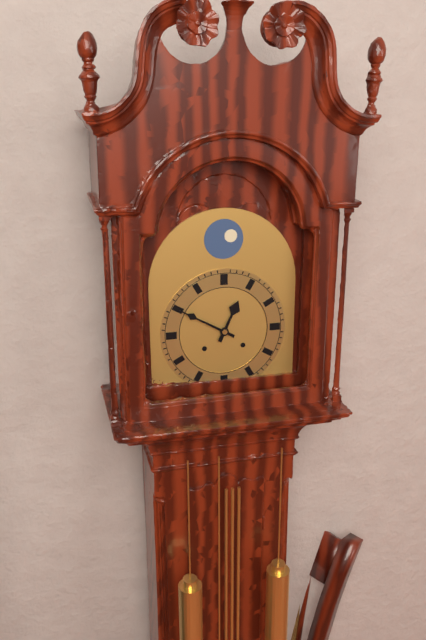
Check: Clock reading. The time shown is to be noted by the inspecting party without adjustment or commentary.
12:50
